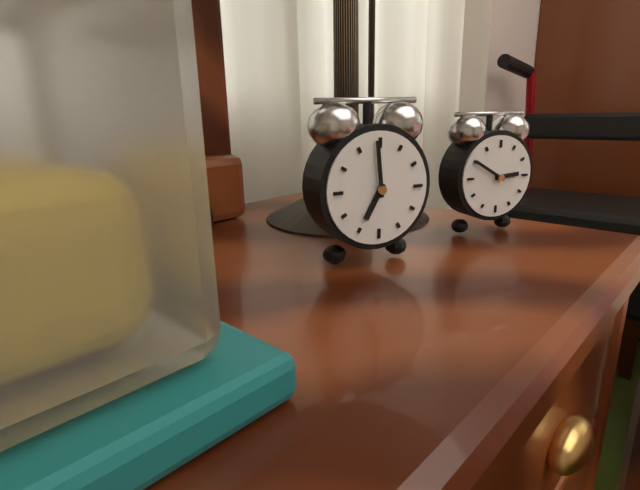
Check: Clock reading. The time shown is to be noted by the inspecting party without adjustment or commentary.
6:59
